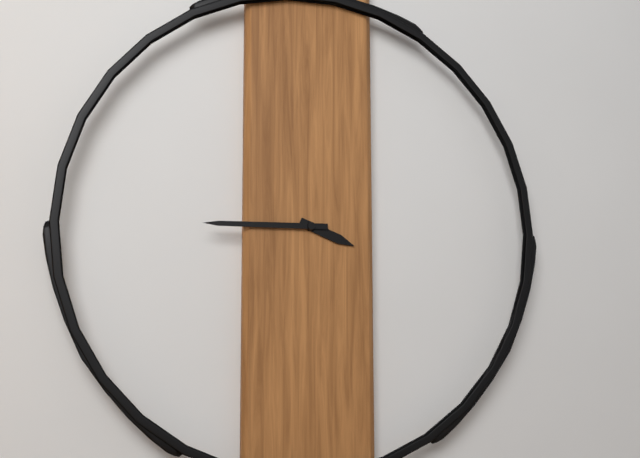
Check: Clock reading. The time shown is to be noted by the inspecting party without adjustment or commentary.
3:45
